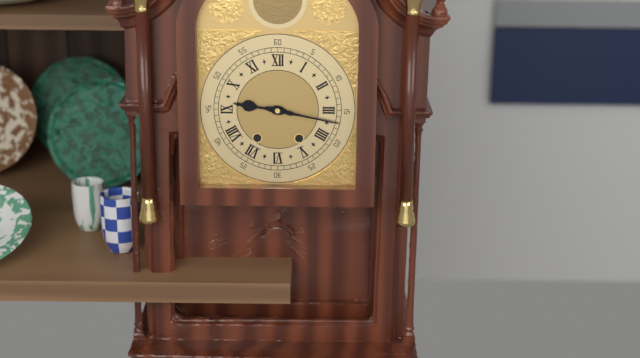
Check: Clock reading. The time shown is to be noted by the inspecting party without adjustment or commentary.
9:17
